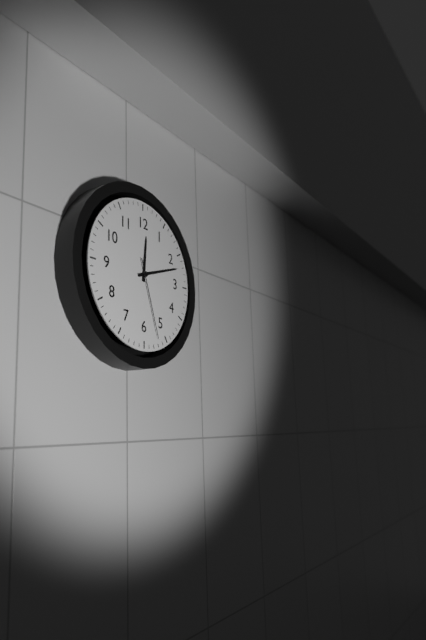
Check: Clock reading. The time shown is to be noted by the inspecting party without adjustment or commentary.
12:12:27
